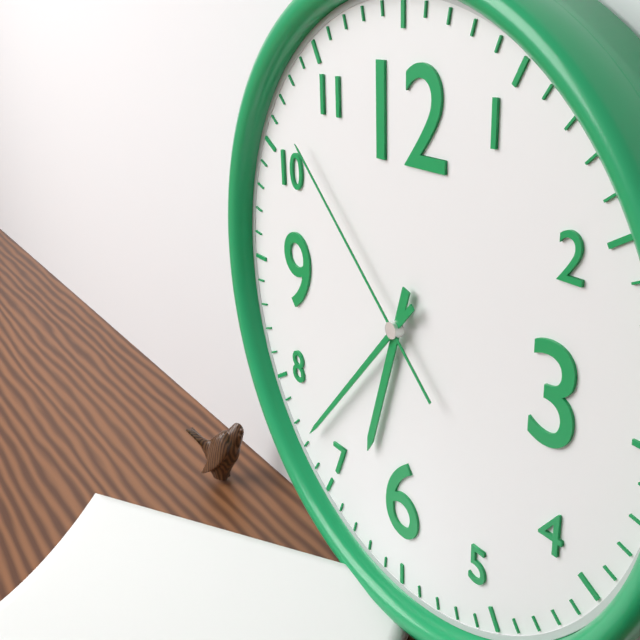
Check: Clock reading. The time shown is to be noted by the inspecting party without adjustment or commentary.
6:37:52
